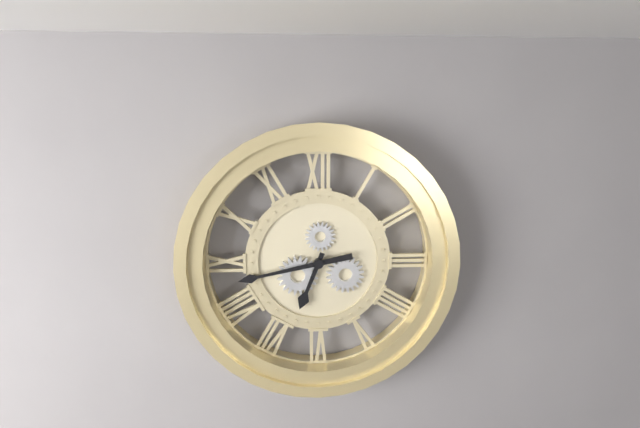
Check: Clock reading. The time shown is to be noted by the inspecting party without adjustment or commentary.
6:43
